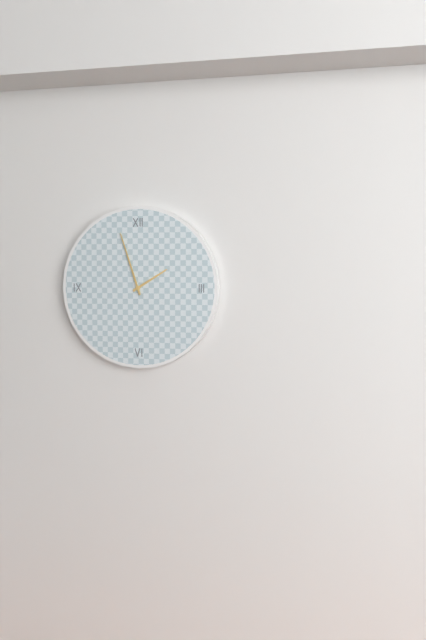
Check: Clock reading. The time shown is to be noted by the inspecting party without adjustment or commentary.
1:57
